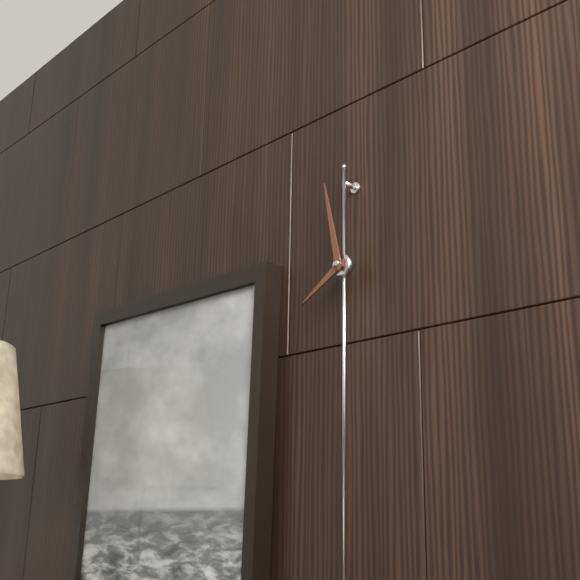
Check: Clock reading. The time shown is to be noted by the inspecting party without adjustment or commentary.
7:58
